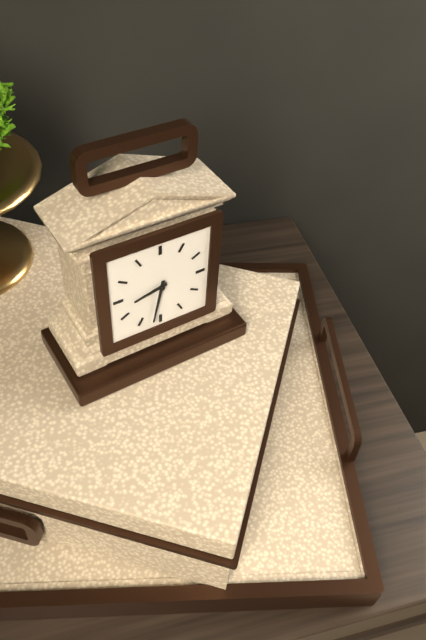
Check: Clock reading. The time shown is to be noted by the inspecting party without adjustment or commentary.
8:32
